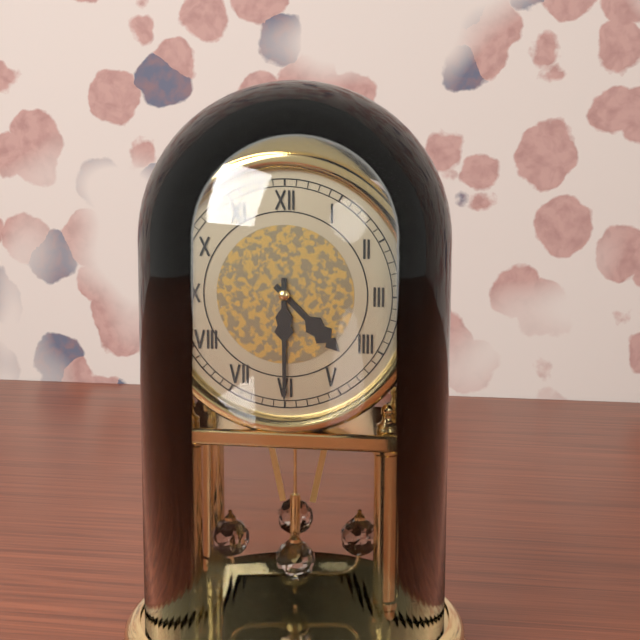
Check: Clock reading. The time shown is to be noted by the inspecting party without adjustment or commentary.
4:30
